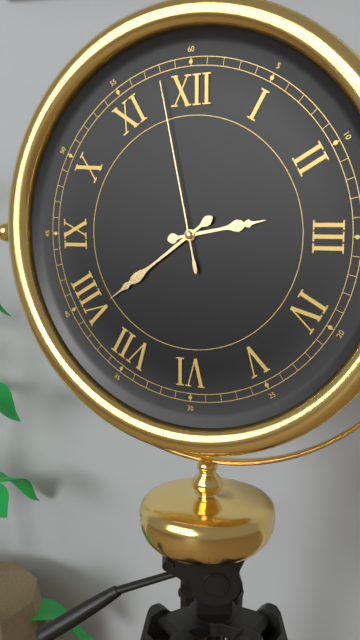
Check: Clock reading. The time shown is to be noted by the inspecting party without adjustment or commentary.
2:39:58
